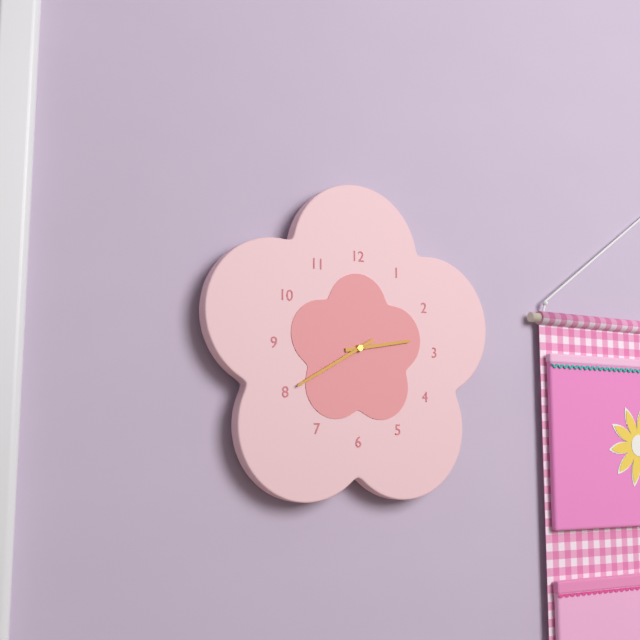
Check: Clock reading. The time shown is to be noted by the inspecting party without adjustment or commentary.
2:40
